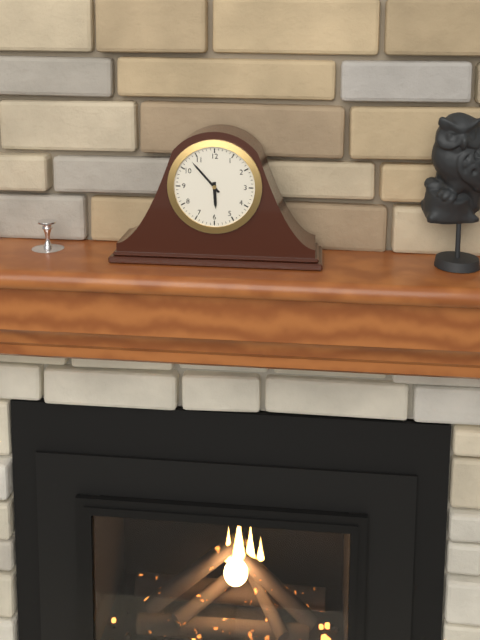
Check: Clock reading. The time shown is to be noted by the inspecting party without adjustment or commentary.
5:53
